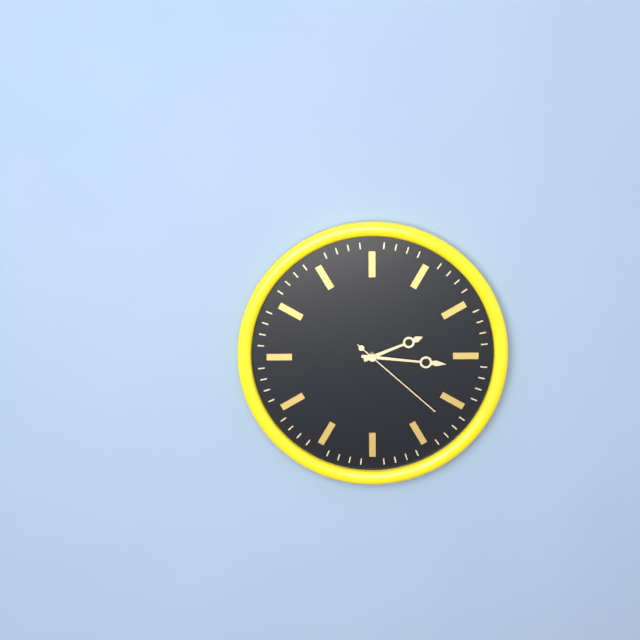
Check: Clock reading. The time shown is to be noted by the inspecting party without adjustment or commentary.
2:16:22
